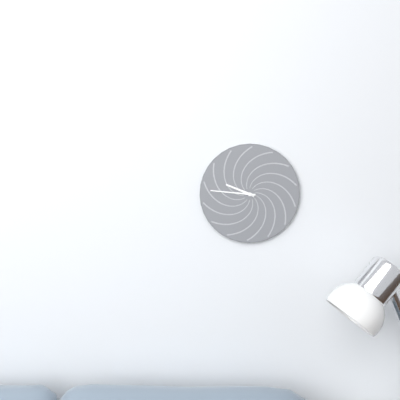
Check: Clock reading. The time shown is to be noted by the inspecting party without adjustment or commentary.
9:46
